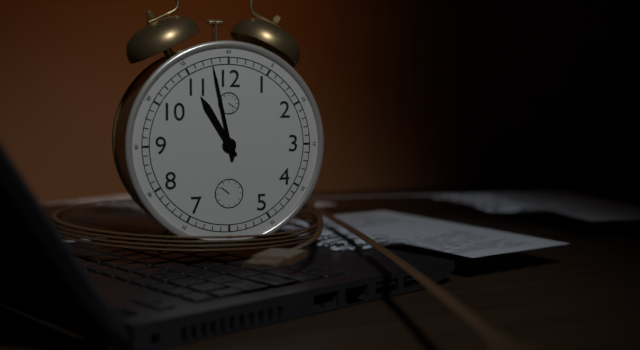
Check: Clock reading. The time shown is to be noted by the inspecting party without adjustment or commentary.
10:58
